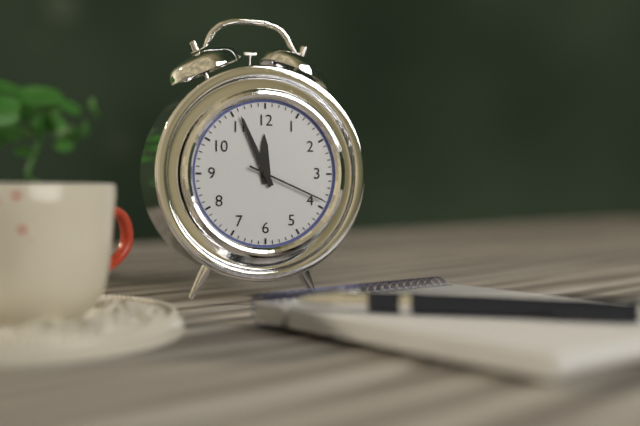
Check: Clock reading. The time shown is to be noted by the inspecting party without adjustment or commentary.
11:56:19
